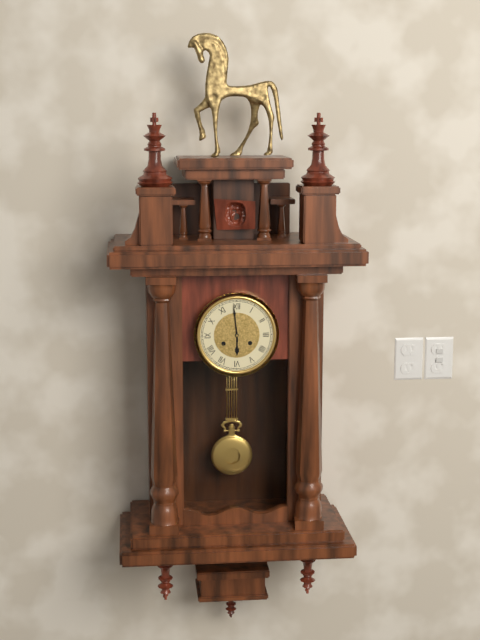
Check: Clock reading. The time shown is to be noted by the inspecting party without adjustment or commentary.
5:59
